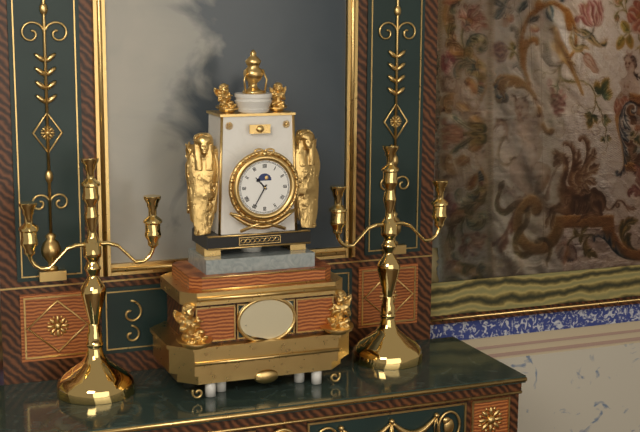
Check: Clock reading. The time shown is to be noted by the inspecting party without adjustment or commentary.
10:35
